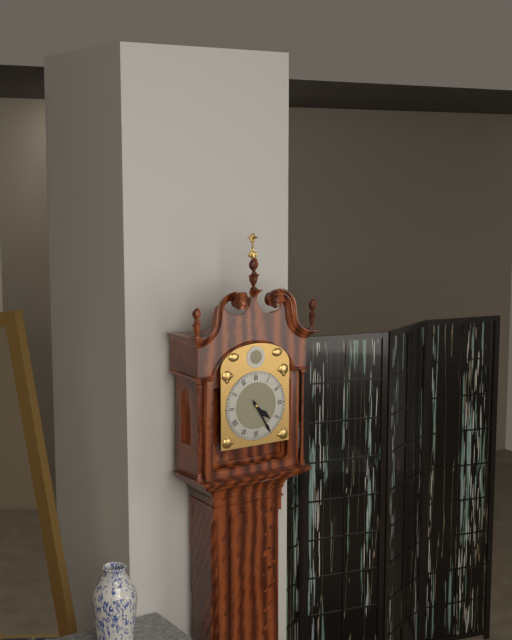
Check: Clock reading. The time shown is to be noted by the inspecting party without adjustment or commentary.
4:25
